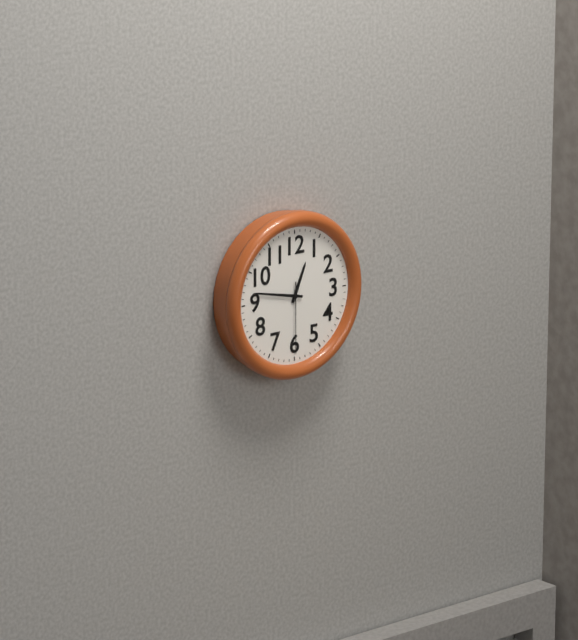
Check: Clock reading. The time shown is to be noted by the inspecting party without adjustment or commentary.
12:47:30
